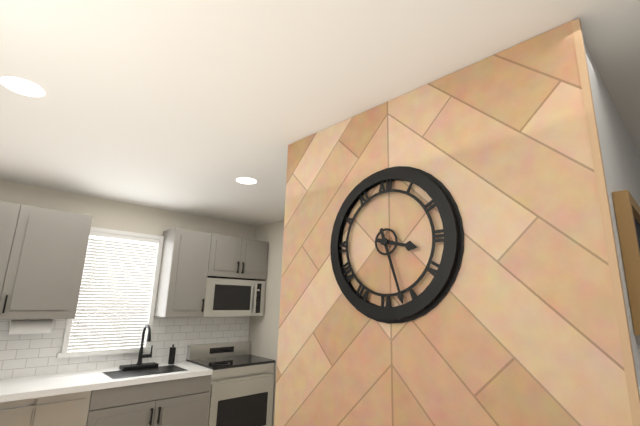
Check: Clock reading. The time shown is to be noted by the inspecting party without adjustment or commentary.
3:27
